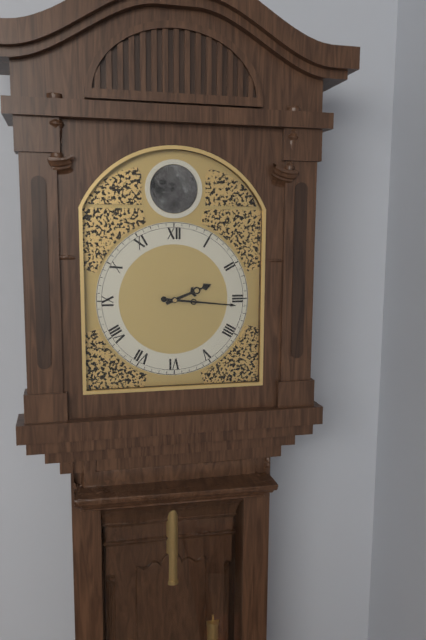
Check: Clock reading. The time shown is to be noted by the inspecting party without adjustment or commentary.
2:16
